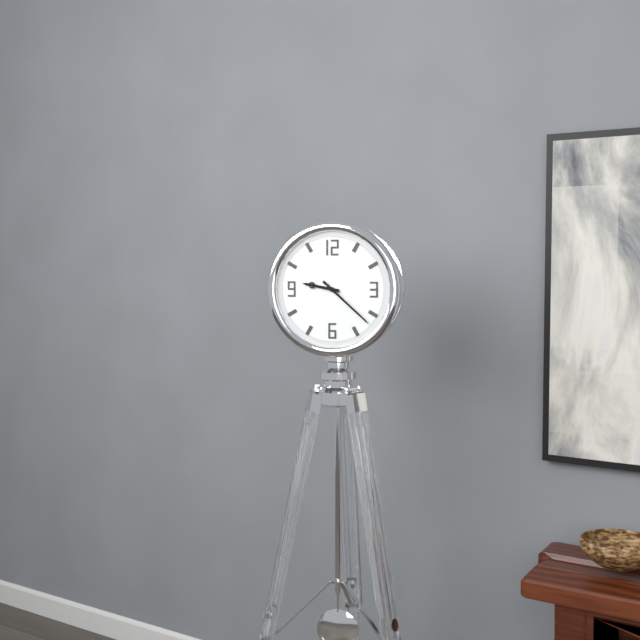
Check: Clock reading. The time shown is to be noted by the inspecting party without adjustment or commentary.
9:22
